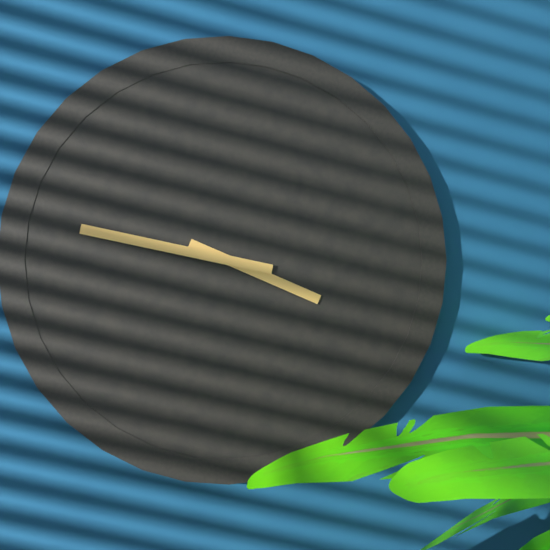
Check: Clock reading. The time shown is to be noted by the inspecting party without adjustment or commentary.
3:47
